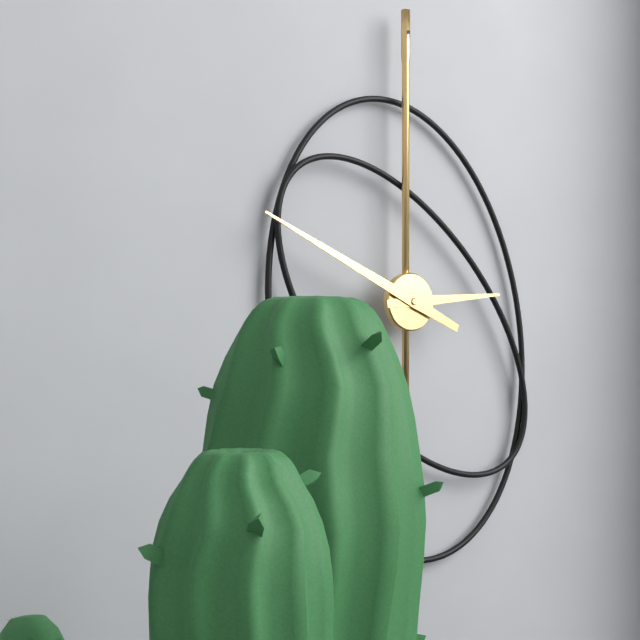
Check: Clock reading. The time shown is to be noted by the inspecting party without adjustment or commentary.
2:49
